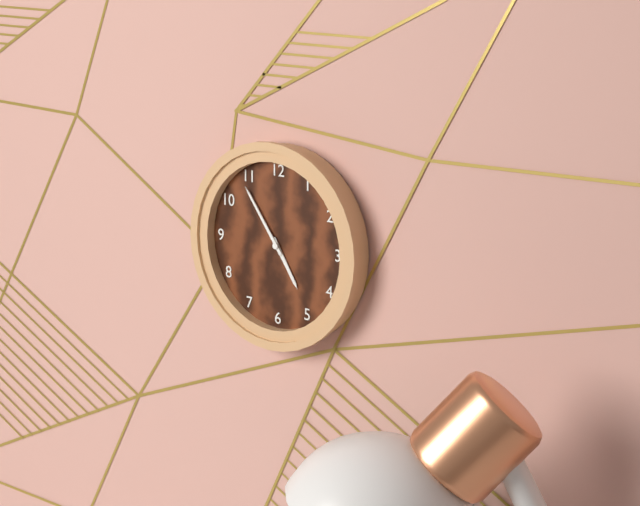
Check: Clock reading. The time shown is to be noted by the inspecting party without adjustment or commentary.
4:54
